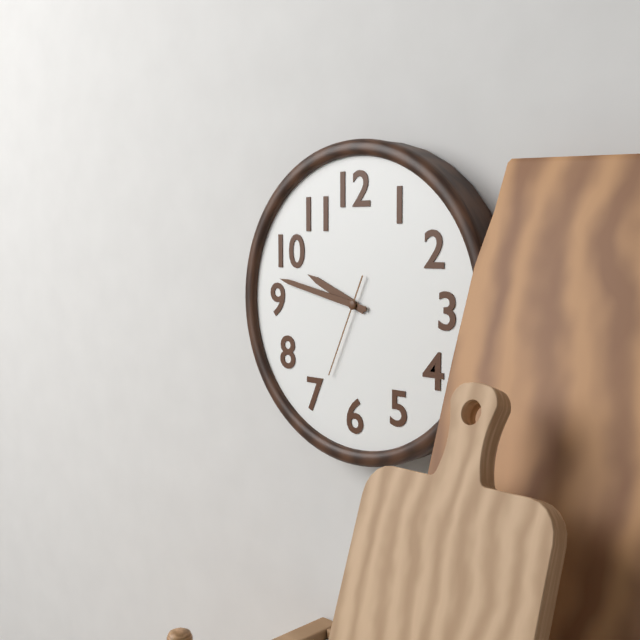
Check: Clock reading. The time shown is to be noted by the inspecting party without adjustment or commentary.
9:47:34
